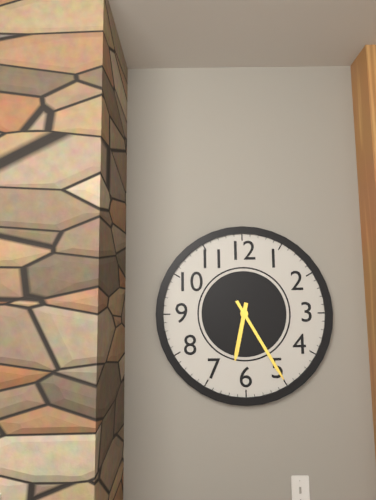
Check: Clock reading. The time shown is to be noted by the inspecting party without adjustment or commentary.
6:25
